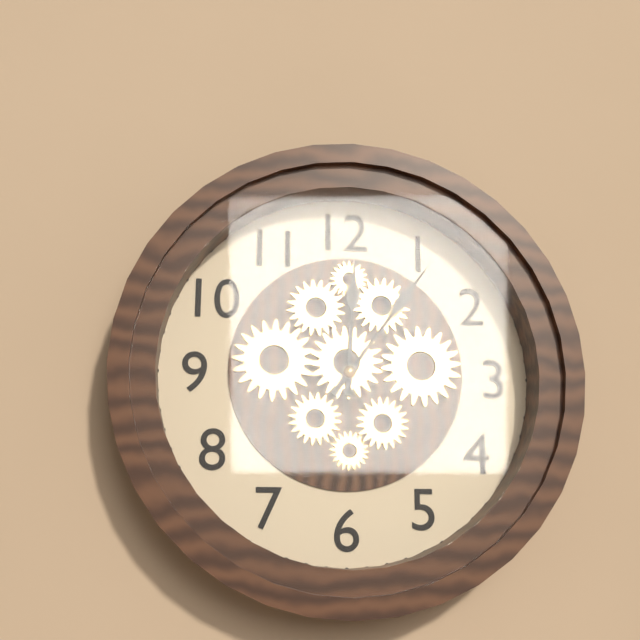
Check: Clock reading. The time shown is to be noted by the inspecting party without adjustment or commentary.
12:06
